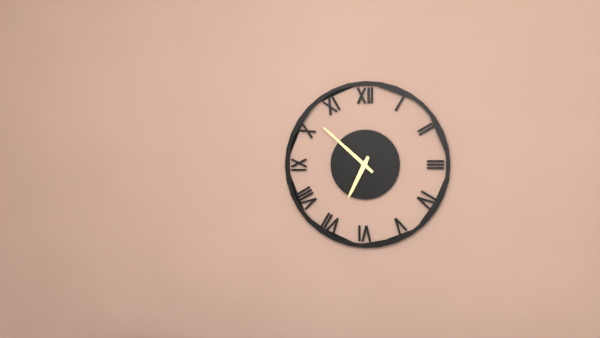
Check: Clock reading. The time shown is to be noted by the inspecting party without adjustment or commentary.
6:52
